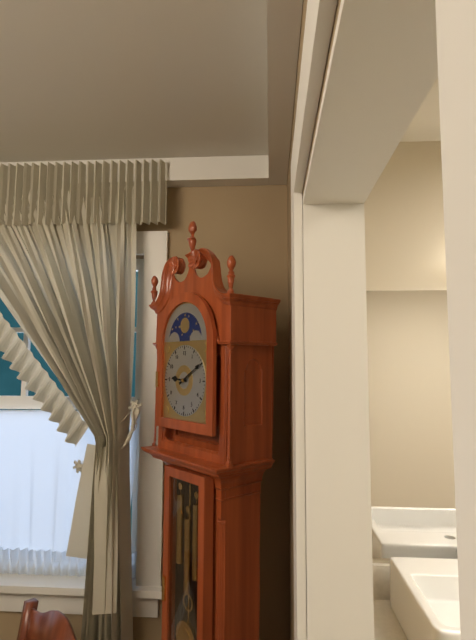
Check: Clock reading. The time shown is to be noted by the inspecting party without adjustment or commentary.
9:10
